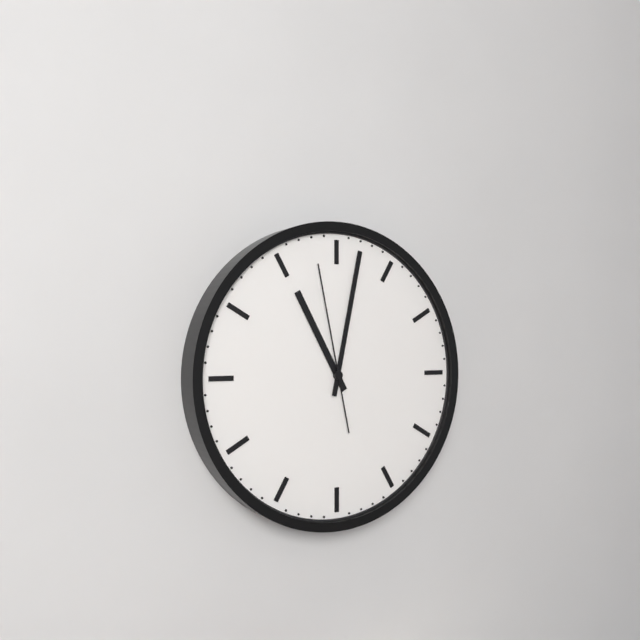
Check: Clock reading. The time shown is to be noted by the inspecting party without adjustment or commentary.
11:02:58
